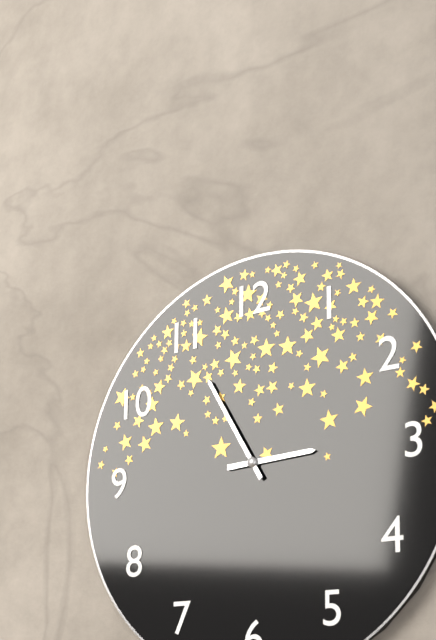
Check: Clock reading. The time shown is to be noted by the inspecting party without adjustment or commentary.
2:55
